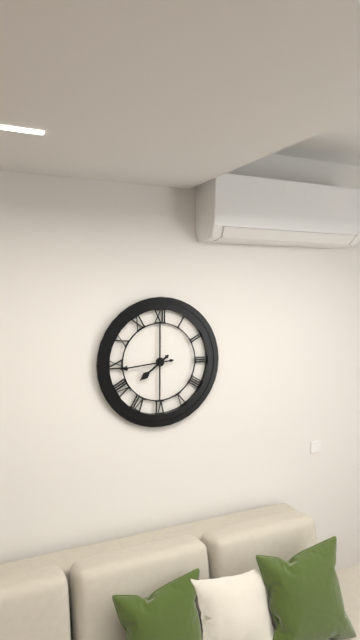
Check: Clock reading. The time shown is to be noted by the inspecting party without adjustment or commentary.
7:44
